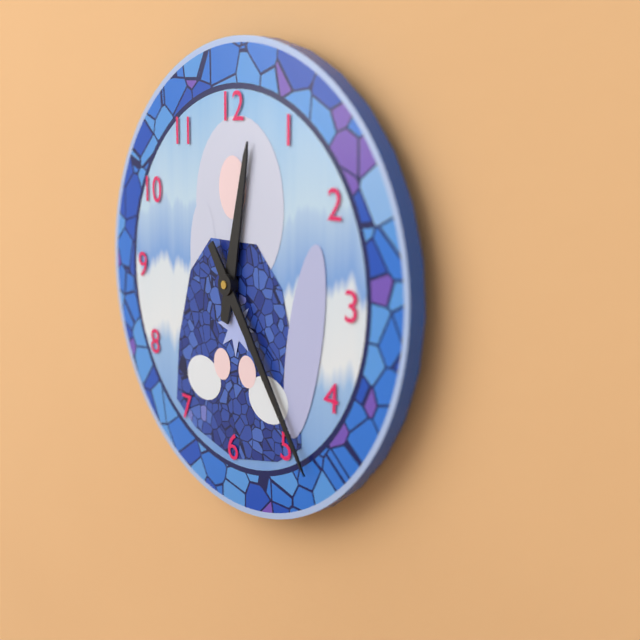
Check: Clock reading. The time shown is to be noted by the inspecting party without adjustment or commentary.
12:24
